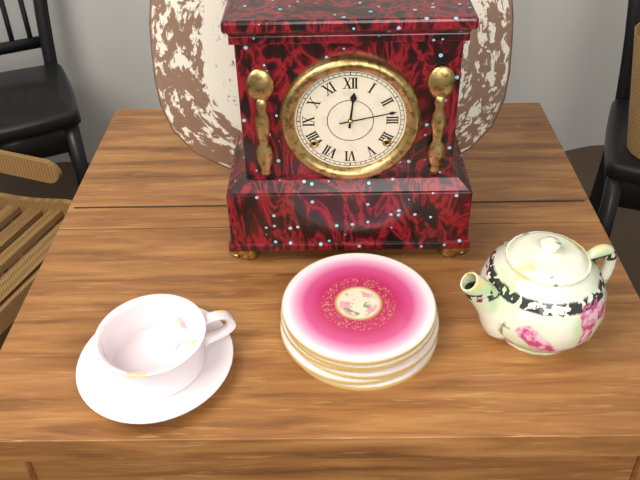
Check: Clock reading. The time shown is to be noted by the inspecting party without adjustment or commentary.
12:13
